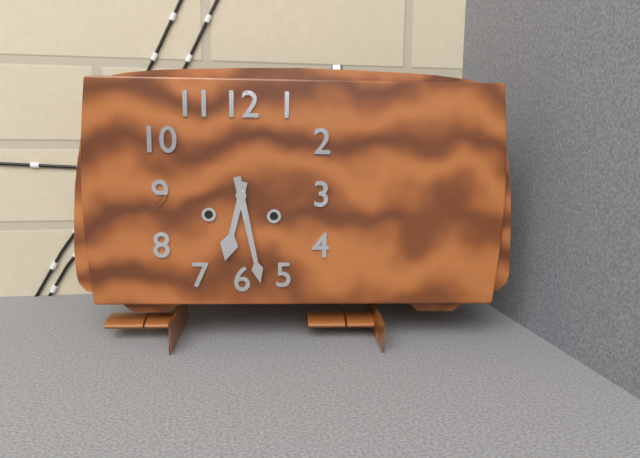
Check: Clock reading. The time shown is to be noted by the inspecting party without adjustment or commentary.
6:28
